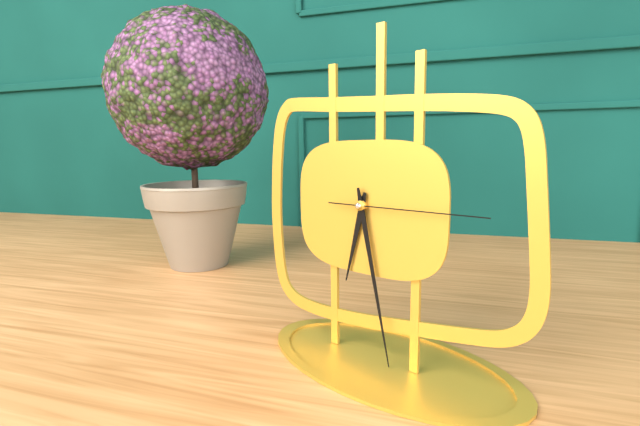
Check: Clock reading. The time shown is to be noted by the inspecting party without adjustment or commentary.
6:28:15
